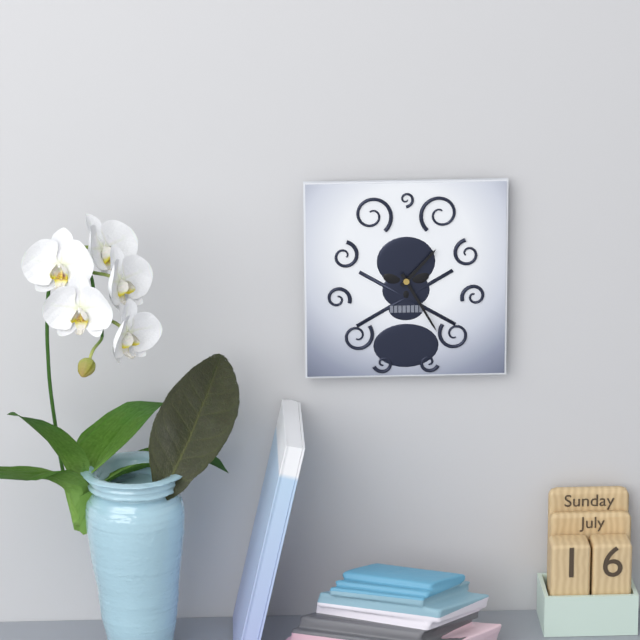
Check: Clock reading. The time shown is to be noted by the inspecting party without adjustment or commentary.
1:25
